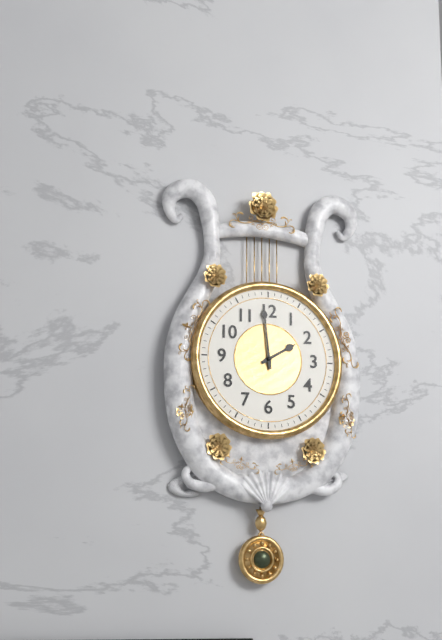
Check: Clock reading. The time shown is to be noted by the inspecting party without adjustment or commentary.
1:59
